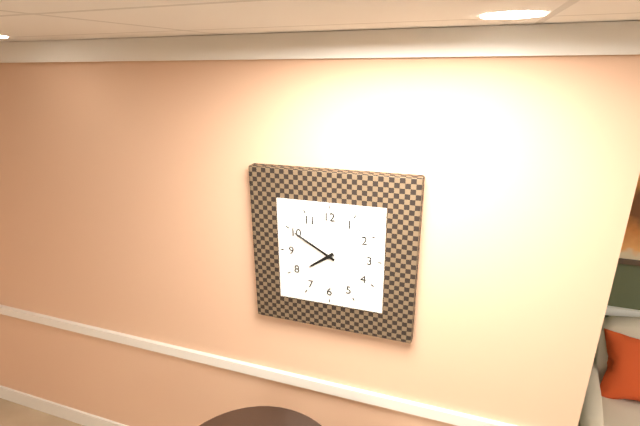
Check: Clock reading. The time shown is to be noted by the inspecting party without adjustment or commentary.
7:50
